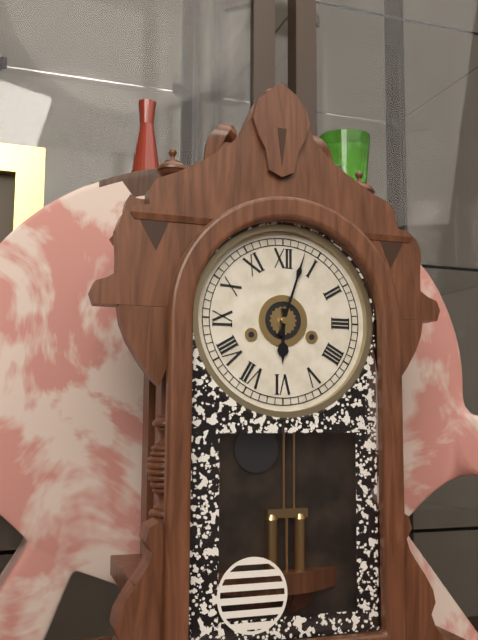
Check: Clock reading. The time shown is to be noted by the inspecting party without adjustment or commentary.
6:03
